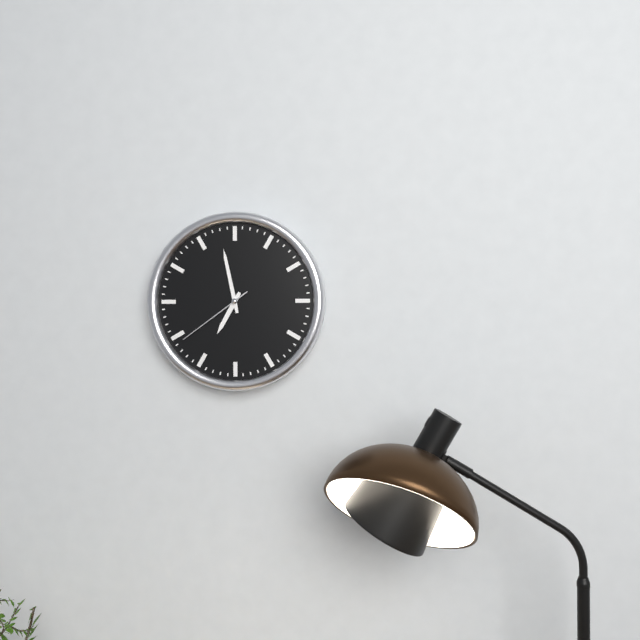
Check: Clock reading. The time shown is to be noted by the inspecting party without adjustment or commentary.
6:58:39
